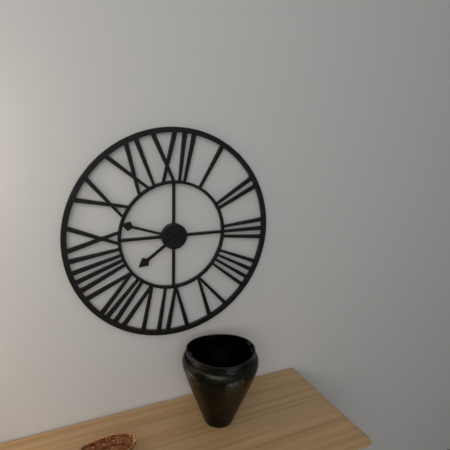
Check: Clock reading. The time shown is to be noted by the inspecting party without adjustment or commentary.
7:48
